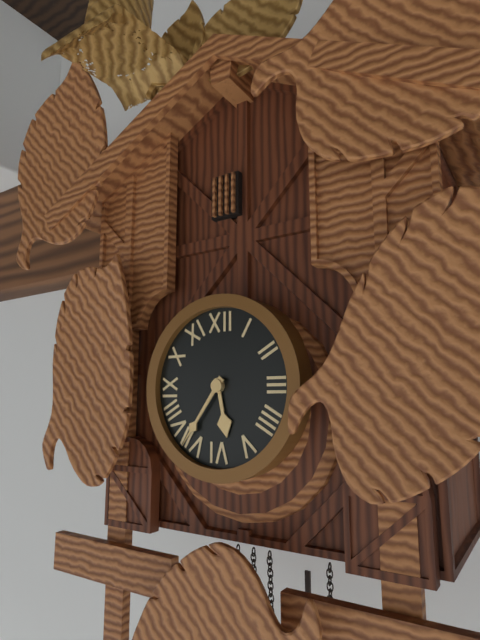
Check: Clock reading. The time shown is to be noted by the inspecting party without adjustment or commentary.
5:36
